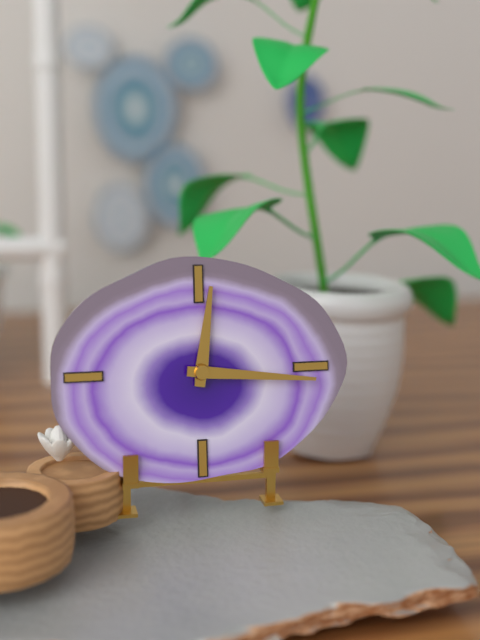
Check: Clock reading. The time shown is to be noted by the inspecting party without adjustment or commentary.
12:16
